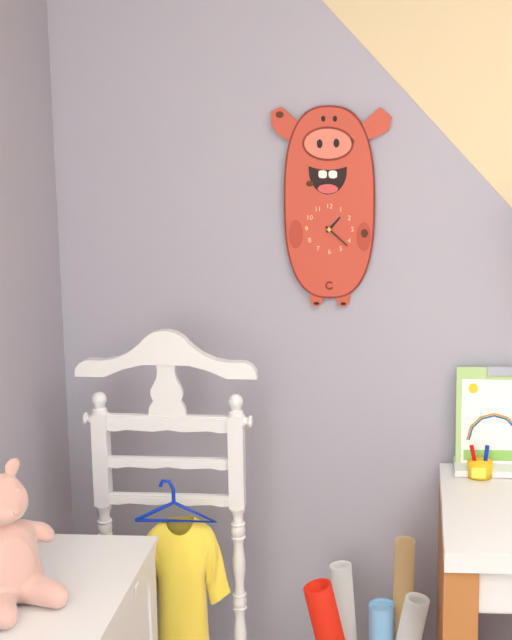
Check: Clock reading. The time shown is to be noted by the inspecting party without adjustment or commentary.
1:22
